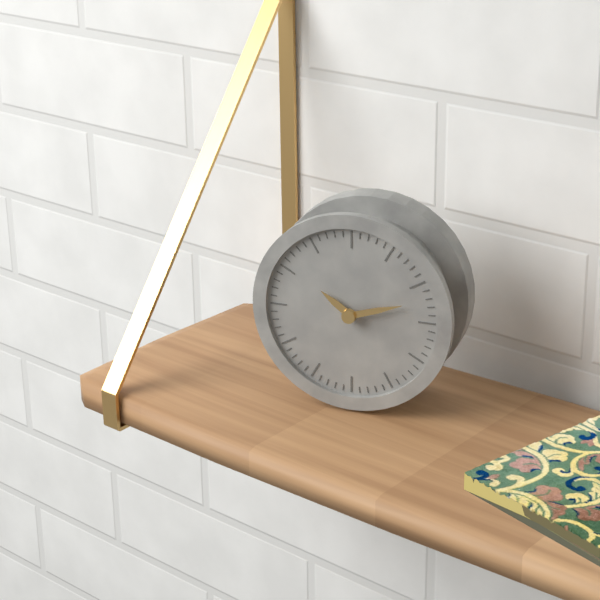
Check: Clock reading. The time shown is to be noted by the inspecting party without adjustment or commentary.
10:12
